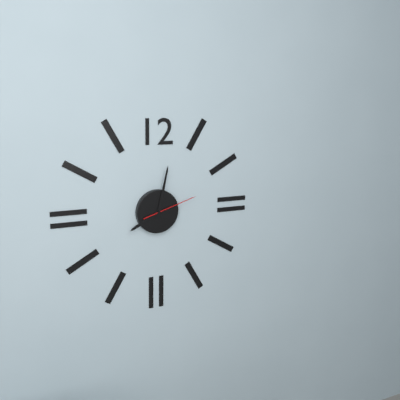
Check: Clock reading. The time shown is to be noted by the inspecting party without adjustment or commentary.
8:02:12
